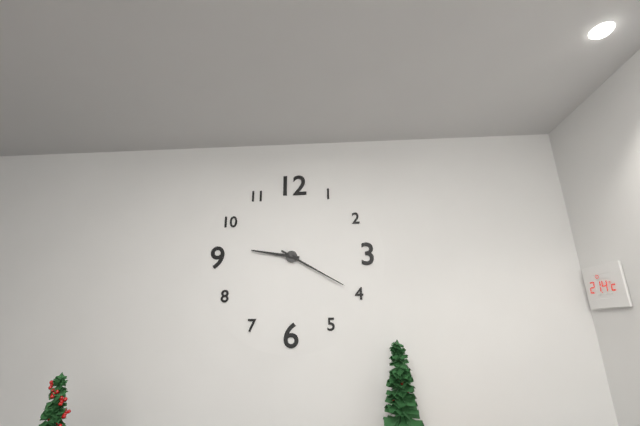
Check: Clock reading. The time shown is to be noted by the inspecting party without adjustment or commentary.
9:20
